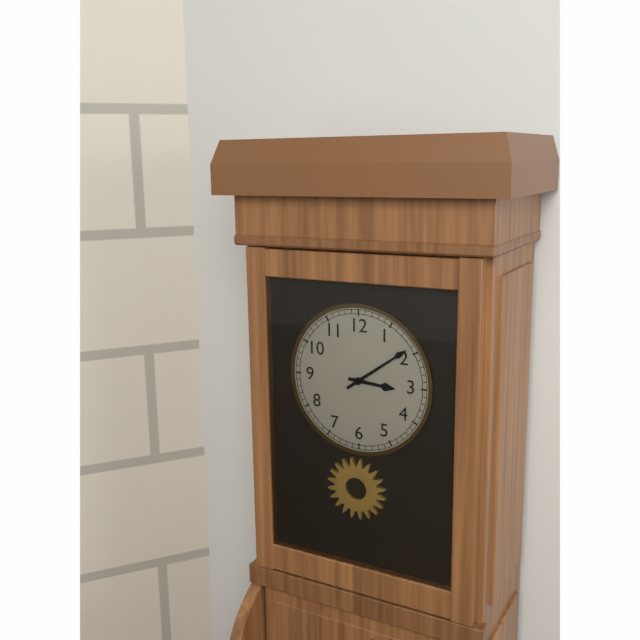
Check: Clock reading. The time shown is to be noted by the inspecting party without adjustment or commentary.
3:09
